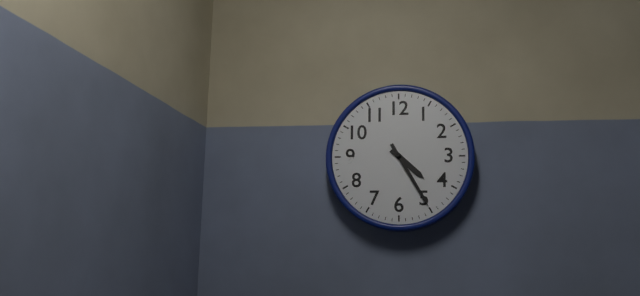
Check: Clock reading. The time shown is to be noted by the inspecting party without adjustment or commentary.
4:25
